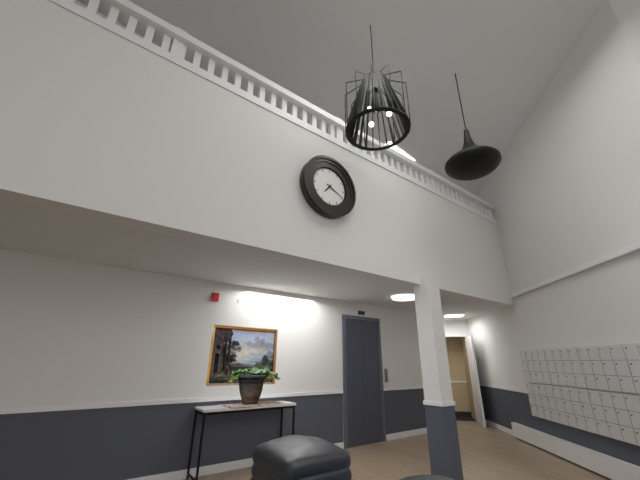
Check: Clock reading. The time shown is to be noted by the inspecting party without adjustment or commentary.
7:19
